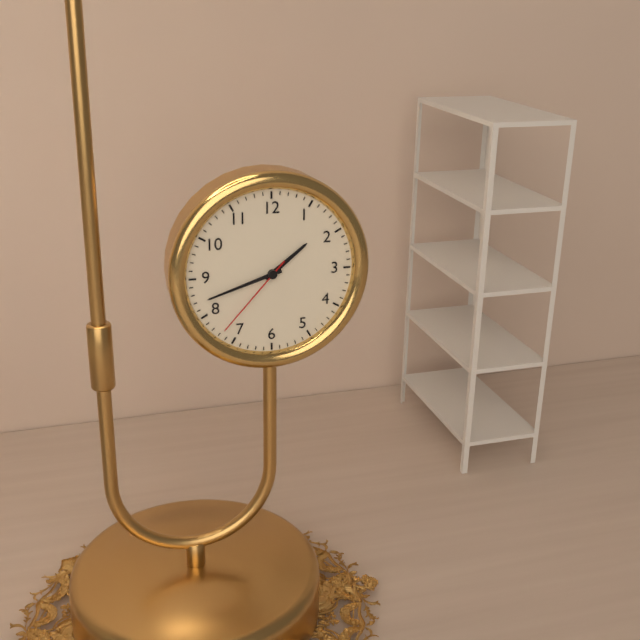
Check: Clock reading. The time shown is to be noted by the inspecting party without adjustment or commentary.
1:42:37
